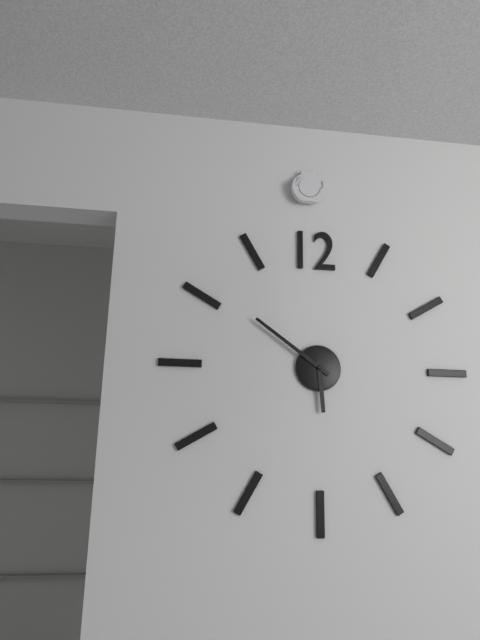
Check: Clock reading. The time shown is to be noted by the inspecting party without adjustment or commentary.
5:51
